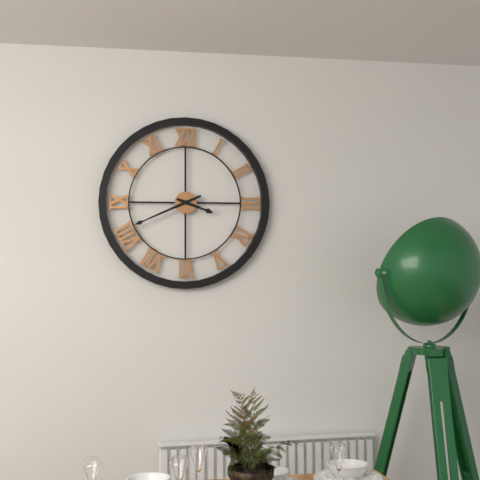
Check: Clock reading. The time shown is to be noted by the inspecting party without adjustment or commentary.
3:41
